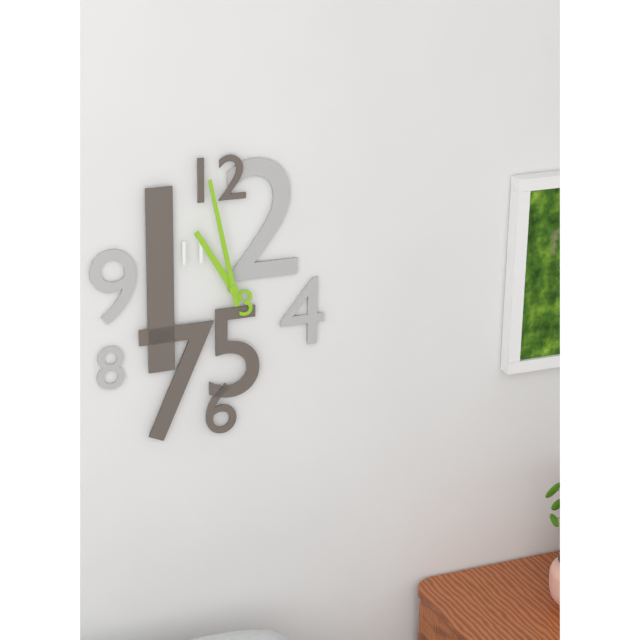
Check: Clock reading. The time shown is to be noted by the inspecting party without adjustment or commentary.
10:58
